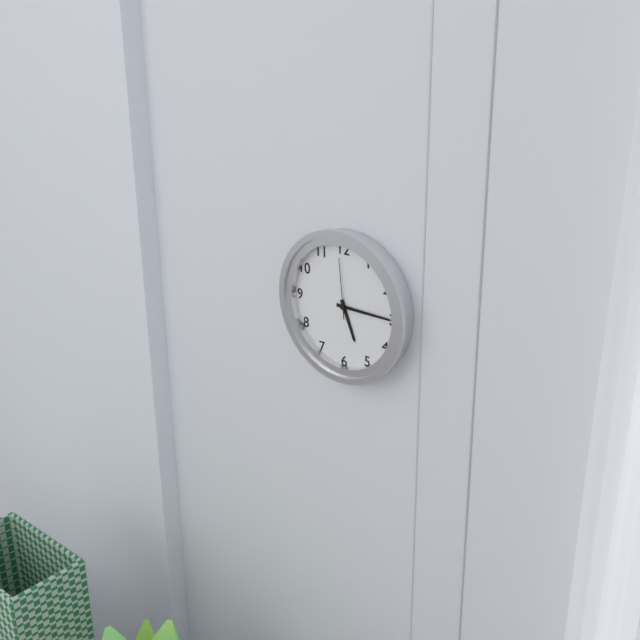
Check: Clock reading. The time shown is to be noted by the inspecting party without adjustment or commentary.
5:15:59
